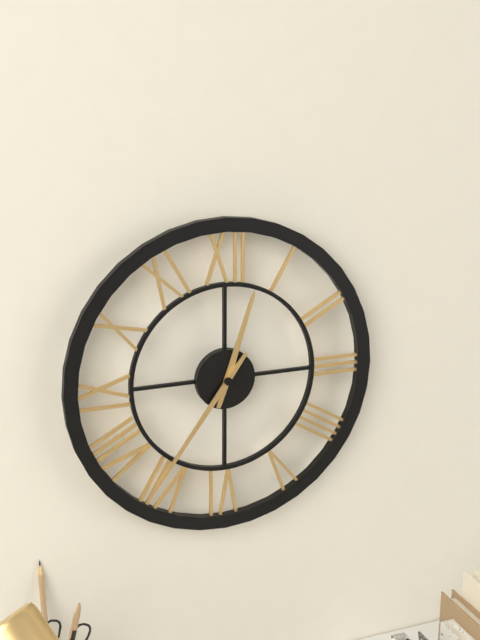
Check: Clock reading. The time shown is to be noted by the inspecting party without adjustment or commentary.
12:36
